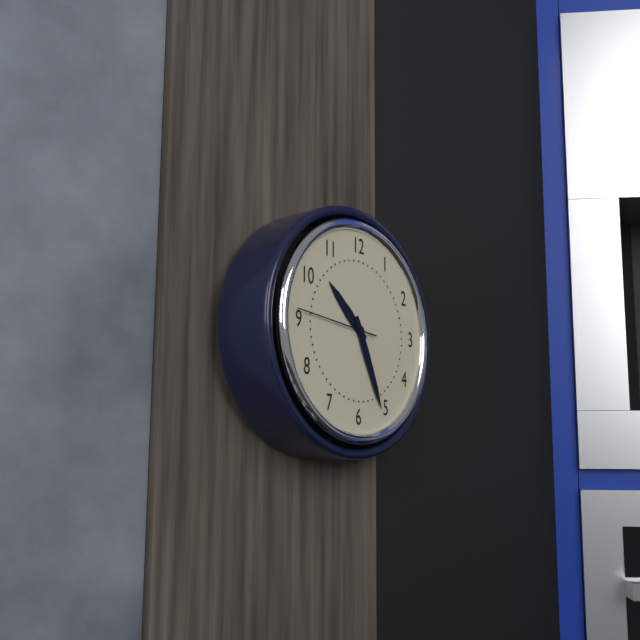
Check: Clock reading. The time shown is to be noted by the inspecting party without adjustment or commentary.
10:26:46
